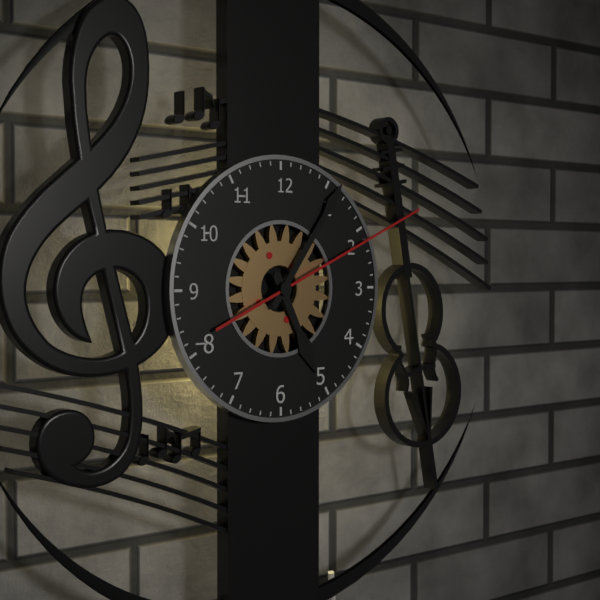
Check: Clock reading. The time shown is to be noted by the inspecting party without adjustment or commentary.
5:06:11
